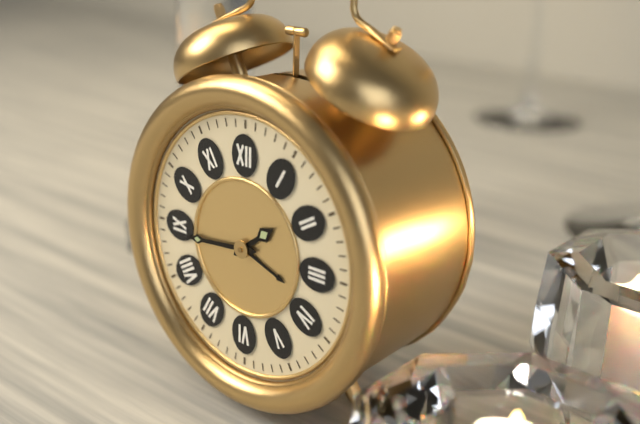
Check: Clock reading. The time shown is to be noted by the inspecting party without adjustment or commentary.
1:44
